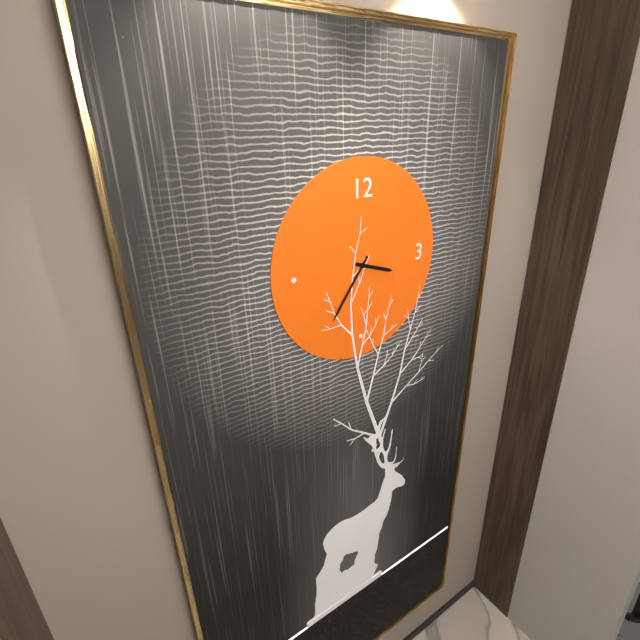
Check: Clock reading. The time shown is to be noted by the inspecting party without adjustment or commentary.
3:36
